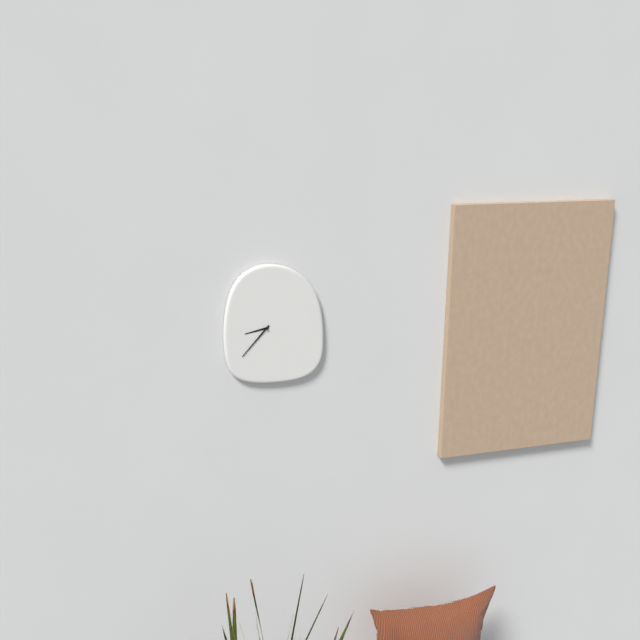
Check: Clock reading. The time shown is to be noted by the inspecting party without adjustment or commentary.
8:37
